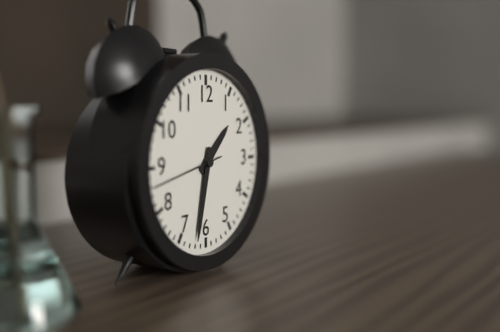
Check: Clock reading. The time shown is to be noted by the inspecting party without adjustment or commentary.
1:32:43
